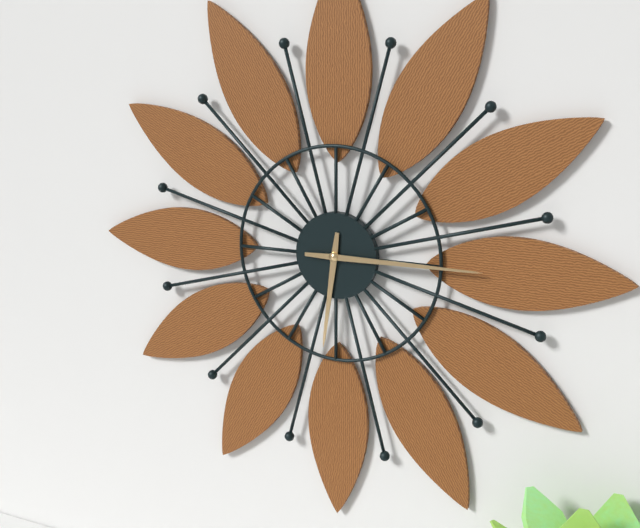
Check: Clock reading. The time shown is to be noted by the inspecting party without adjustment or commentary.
6:15
